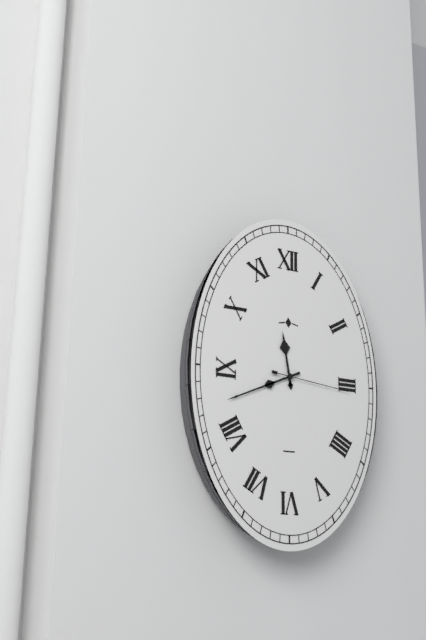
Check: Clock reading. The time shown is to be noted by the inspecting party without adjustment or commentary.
11:41:16
